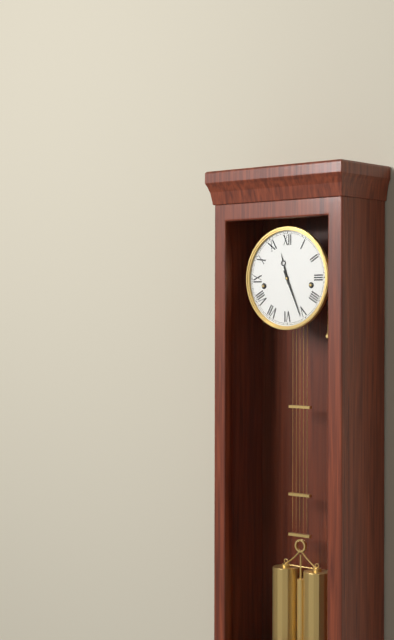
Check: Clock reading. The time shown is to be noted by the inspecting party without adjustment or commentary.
11:26
